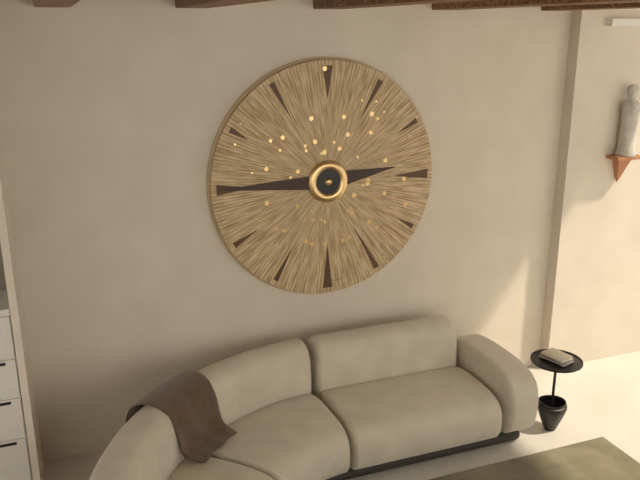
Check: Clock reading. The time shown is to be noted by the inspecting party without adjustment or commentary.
2:45
